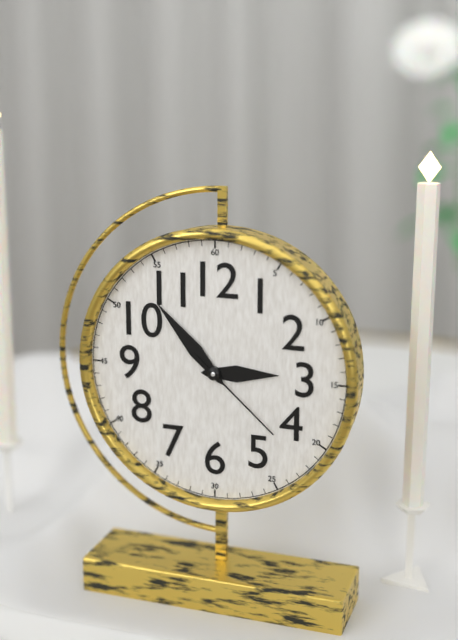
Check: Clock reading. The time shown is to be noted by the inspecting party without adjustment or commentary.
2:53:22
